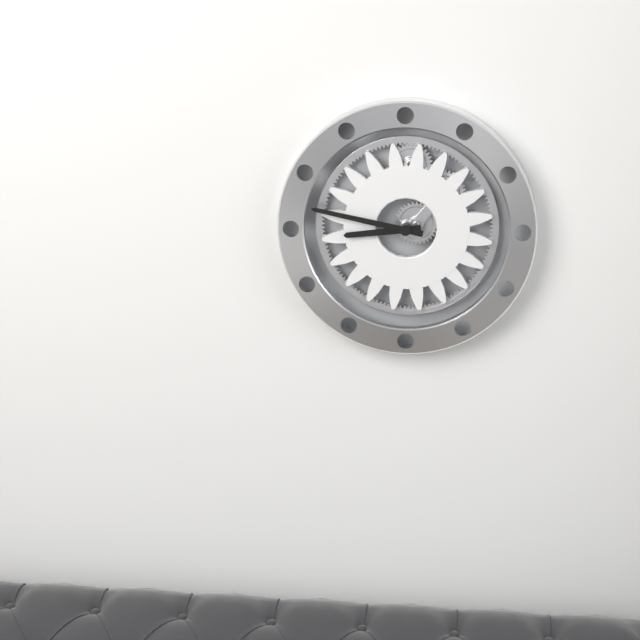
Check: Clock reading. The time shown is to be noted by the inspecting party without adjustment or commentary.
8:47
